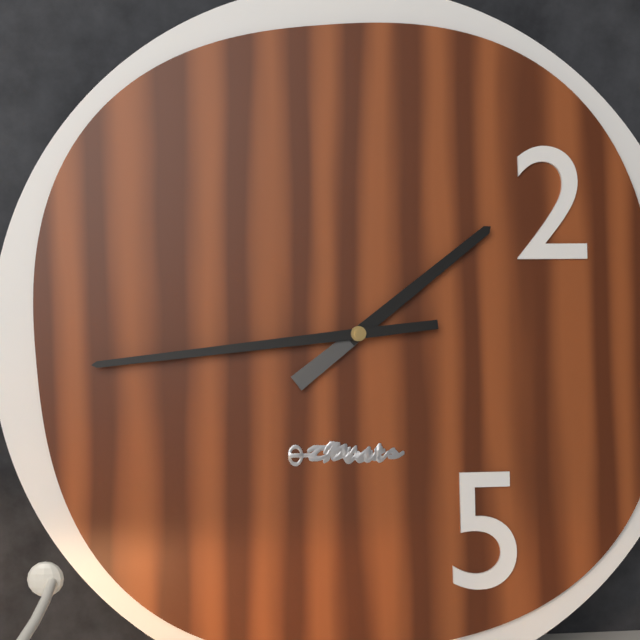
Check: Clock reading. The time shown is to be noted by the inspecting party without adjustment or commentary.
1:44
